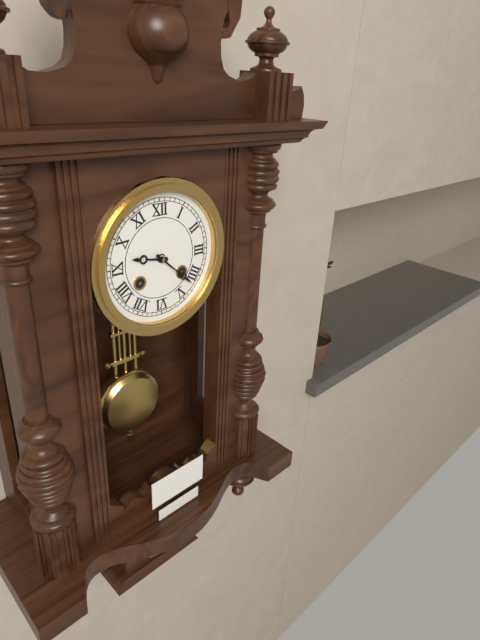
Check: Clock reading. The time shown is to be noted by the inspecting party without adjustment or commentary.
9:22
